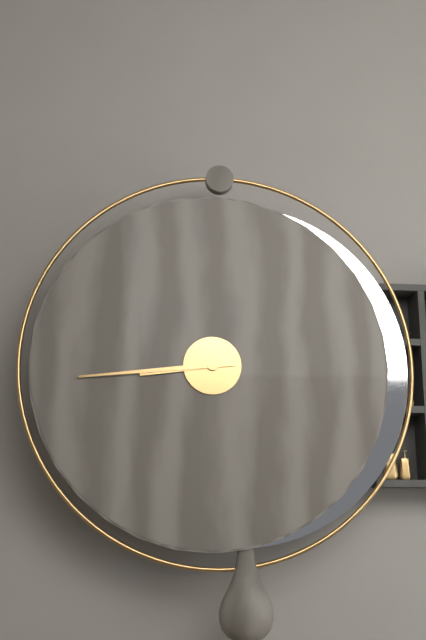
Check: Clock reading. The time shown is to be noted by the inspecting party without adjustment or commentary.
8:44
